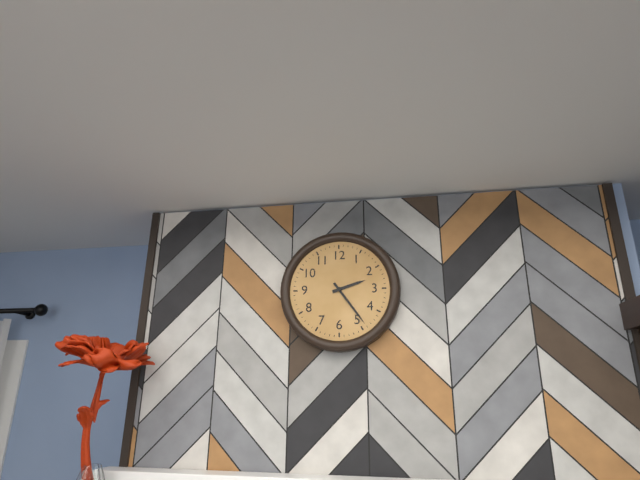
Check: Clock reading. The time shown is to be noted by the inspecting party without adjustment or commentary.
2:24
